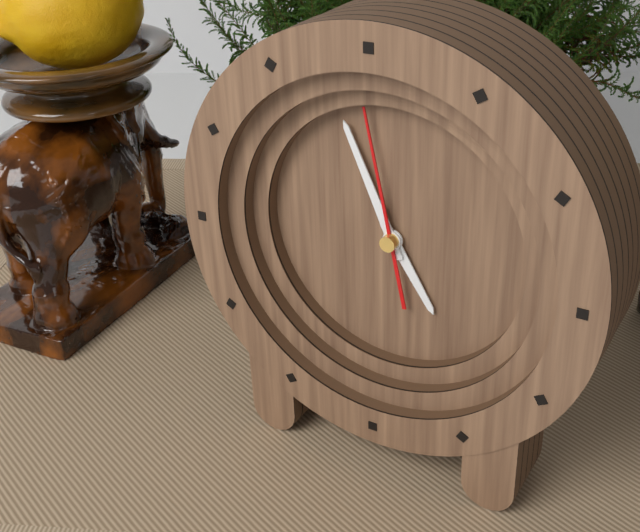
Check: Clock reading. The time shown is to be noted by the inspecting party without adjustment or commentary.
4:56:58
